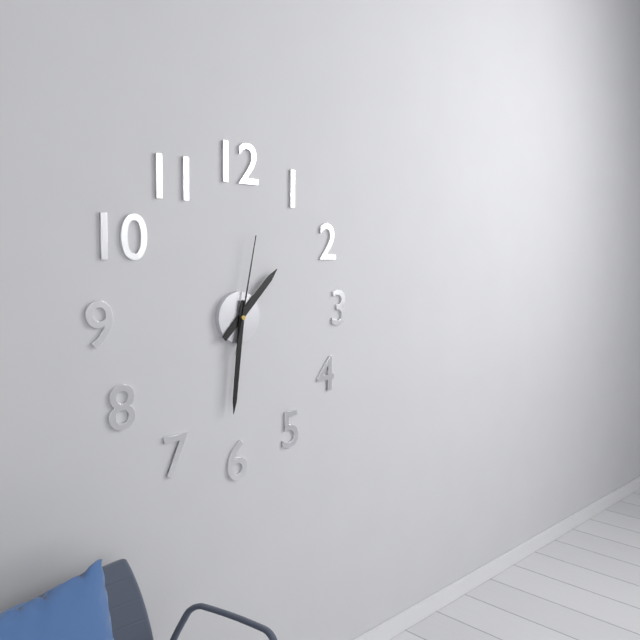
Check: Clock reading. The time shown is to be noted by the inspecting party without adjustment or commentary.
1:31:02
